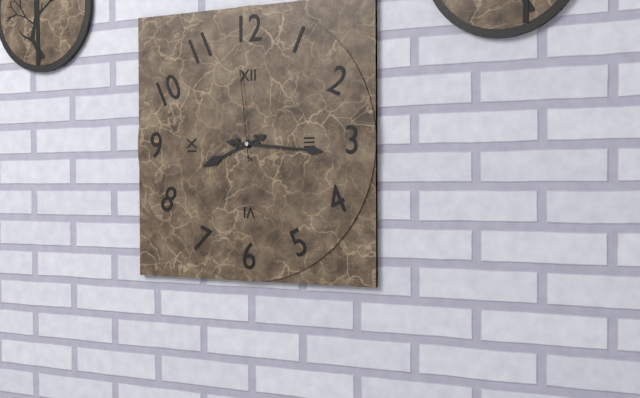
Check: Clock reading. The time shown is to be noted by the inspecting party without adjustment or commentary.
8:16:59
